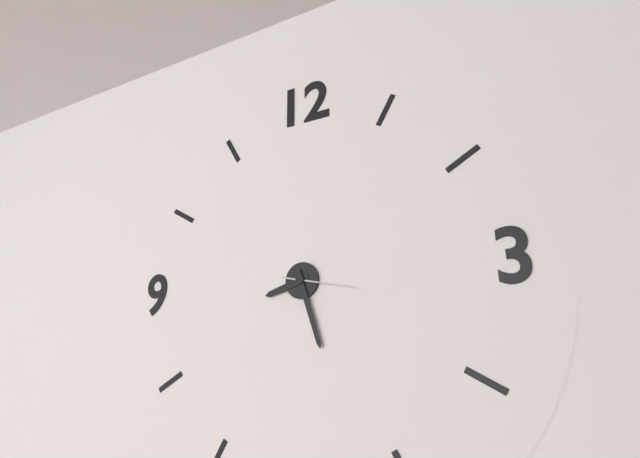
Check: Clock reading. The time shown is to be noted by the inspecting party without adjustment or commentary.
8:27:17
